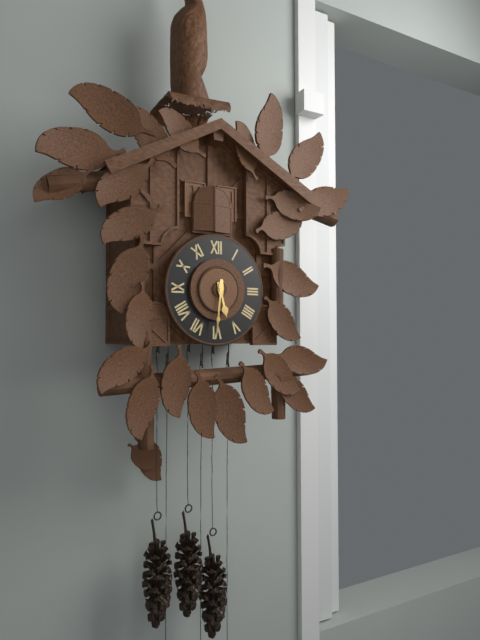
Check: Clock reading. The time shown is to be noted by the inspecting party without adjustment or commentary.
5:31
